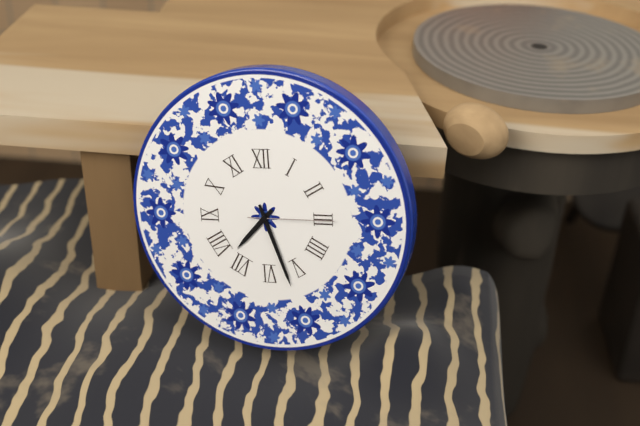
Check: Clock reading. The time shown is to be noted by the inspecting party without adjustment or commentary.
7:27:15
